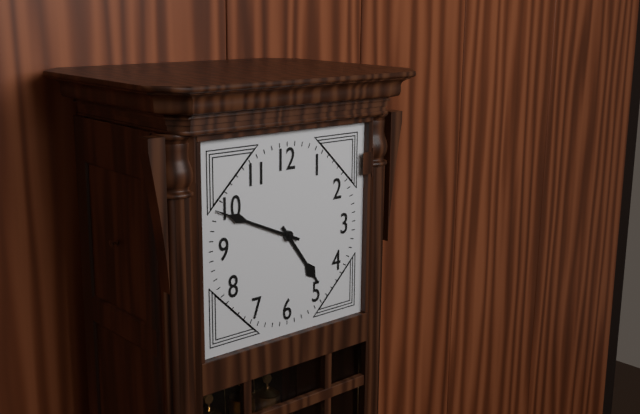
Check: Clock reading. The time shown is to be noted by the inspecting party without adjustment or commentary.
4:49
